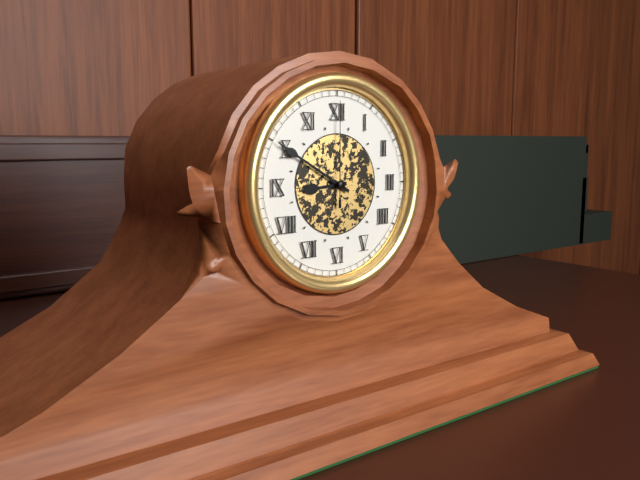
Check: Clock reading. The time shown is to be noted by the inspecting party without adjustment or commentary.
8:50:00
